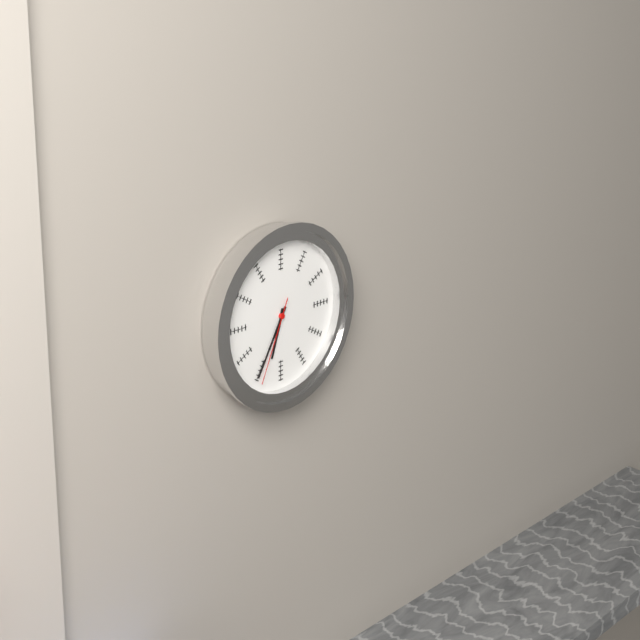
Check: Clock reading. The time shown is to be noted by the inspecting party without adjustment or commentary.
6:35:34
